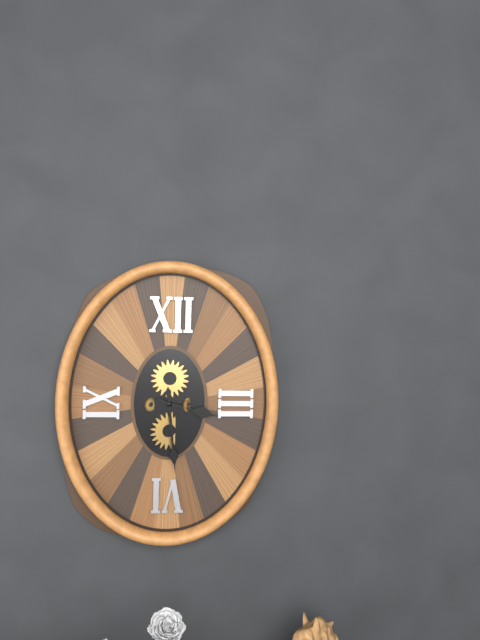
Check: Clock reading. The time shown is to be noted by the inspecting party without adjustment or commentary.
3:29
